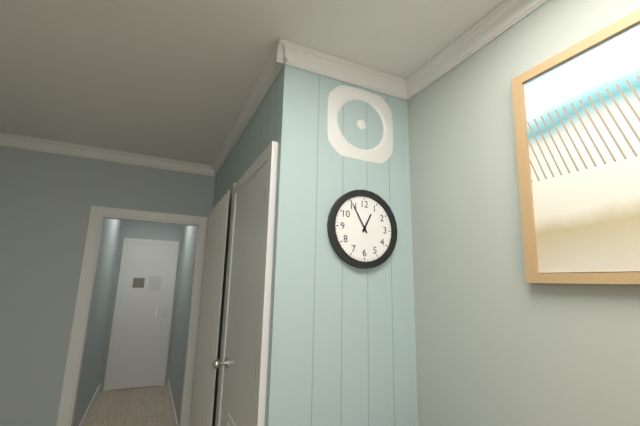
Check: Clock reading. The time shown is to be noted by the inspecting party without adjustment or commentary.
12:55
